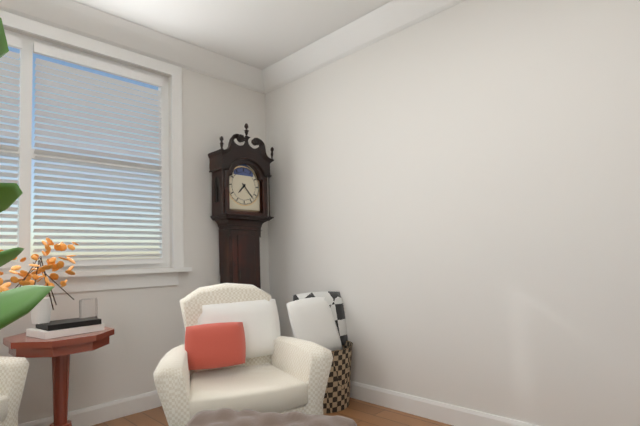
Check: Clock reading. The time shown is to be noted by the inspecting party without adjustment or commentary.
7:23
